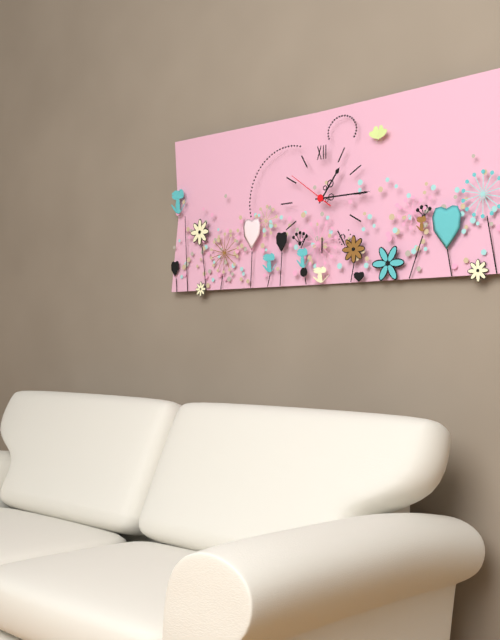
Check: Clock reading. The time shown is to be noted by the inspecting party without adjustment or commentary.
1:15
